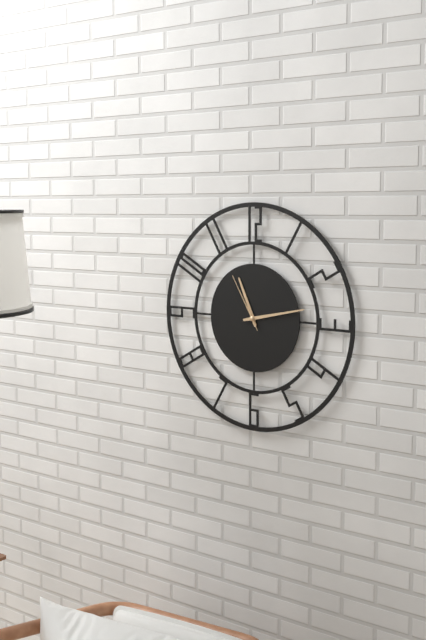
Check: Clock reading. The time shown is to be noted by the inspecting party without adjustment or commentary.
11:13:55
